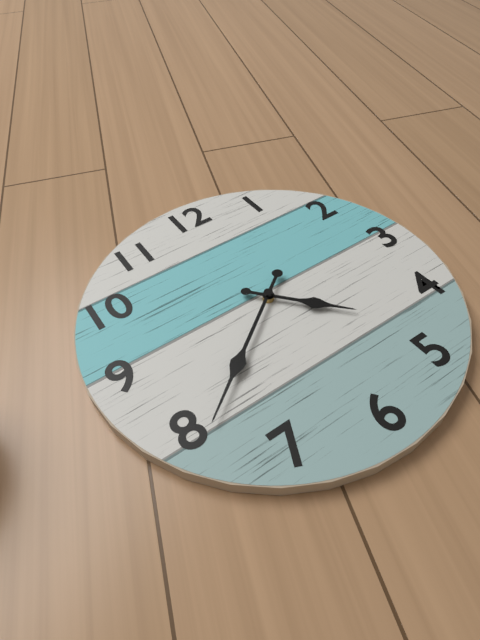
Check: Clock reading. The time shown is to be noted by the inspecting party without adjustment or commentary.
4:39
